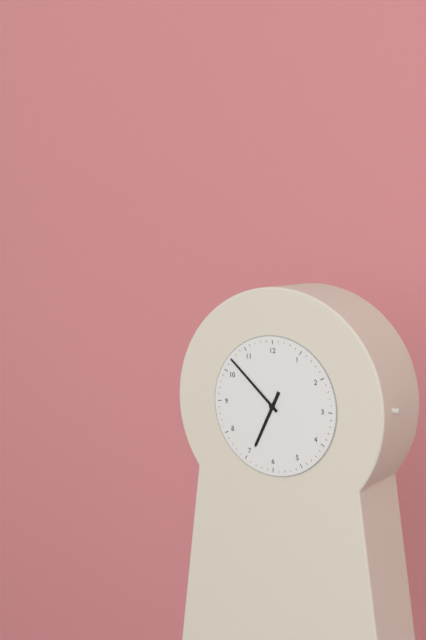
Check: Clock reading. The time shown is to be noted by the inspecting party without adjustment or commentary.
6:52
